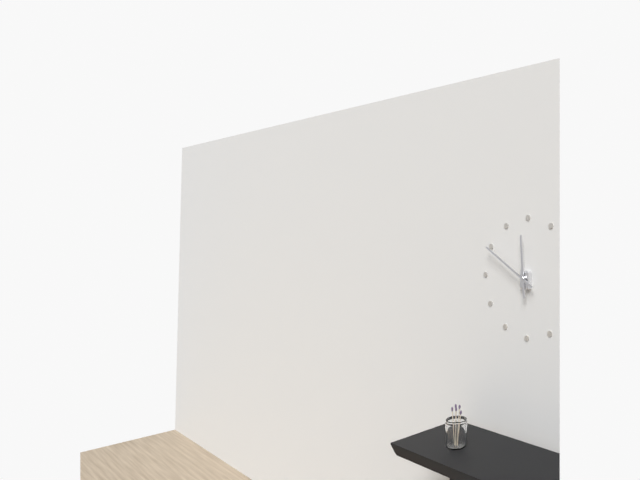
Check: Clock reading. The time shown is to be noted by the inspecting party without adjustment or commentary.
11:50
